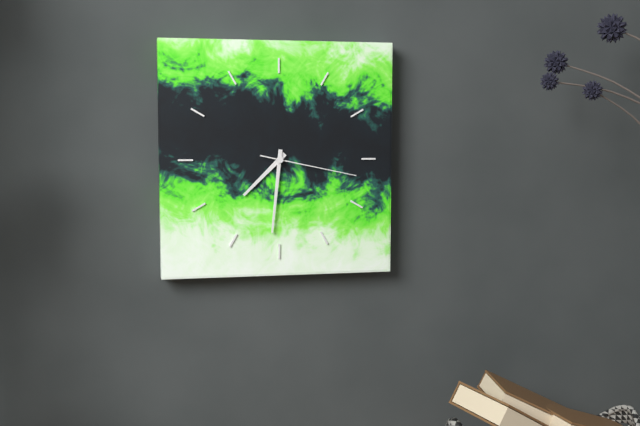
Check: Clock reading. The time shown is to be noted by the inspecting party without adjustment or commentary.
7:31:17
